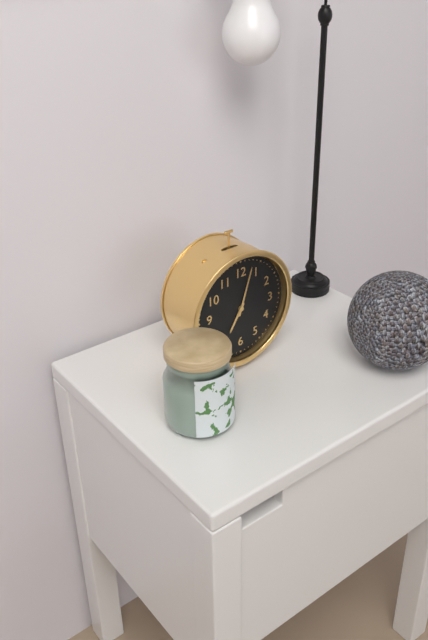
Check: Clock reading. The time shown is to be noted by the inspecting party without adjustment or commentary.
7:03
